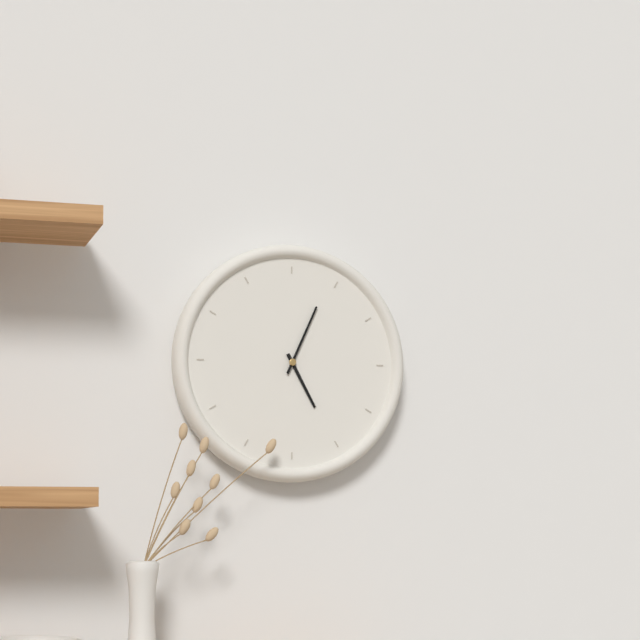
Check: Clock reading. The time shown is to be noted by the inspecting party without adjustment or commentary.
5:04
